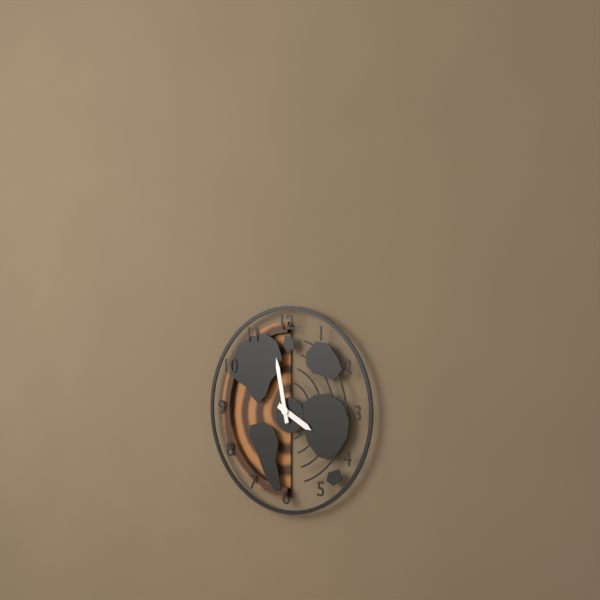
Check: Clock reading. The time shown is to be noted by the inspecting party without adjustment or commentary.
3:58
